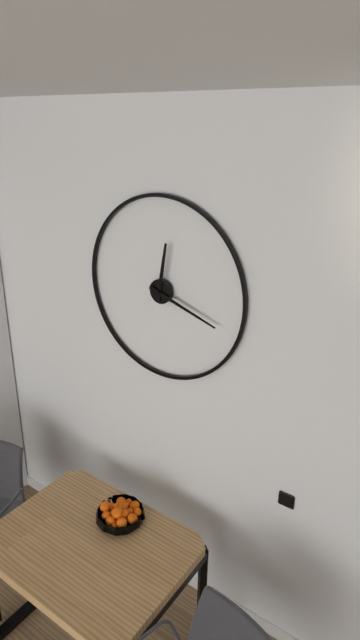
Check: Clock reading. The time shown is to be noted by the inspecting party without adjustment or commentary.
12:18
